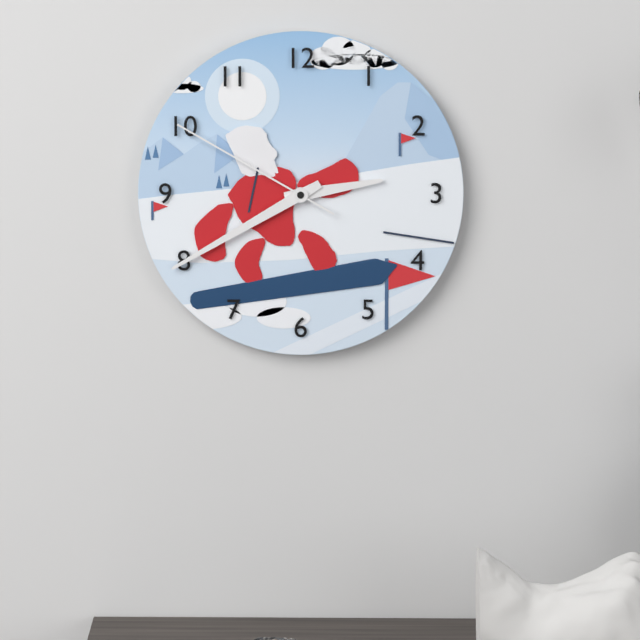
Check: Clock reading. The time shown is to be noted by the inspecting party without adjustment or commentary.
2:40:50
